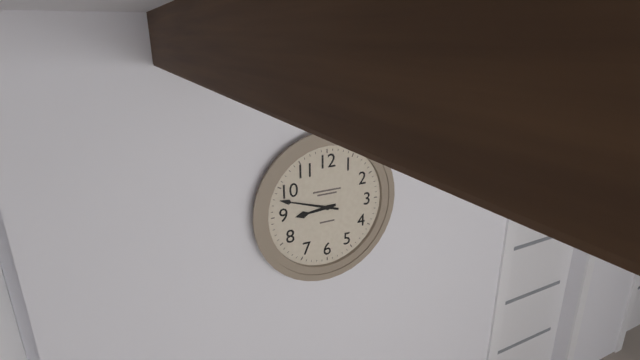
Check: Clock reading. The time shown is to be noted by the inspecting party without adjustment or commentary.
8:48
